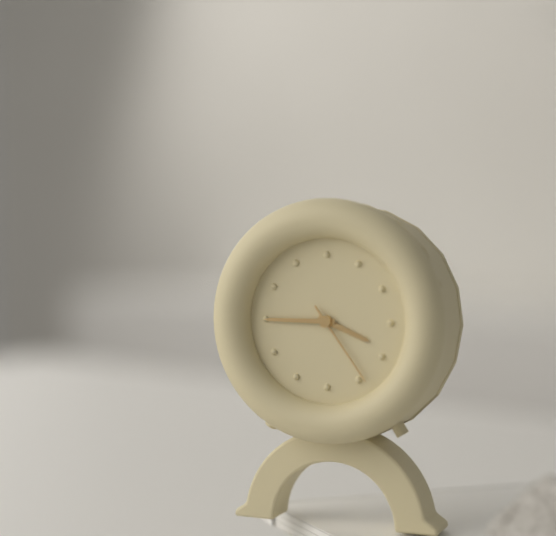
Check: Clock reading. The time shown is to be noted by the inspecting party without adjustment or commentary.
3:45:24
